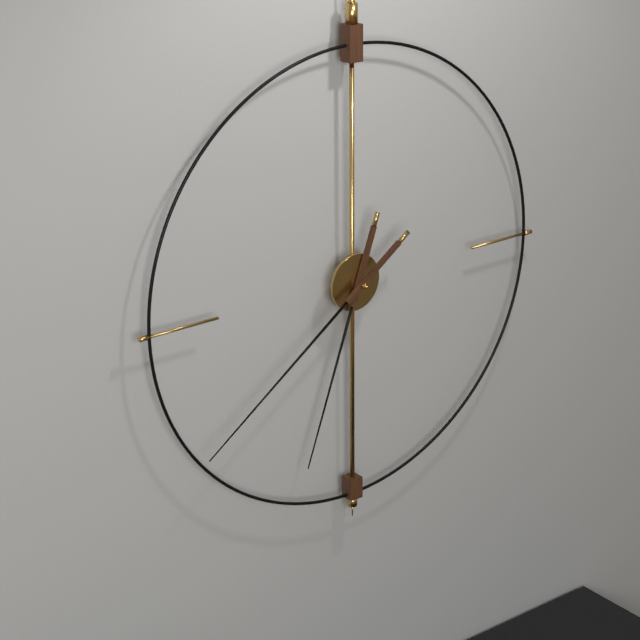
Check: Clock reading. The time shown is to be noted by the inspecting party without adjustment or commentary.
6:39
